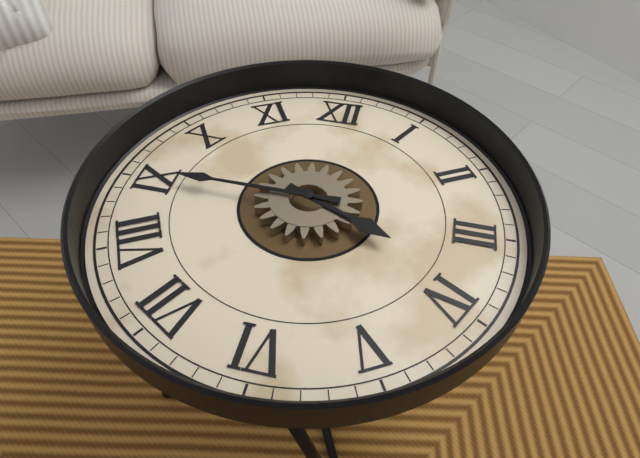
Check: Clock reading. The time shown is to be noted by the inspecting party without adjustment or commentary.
3:45
